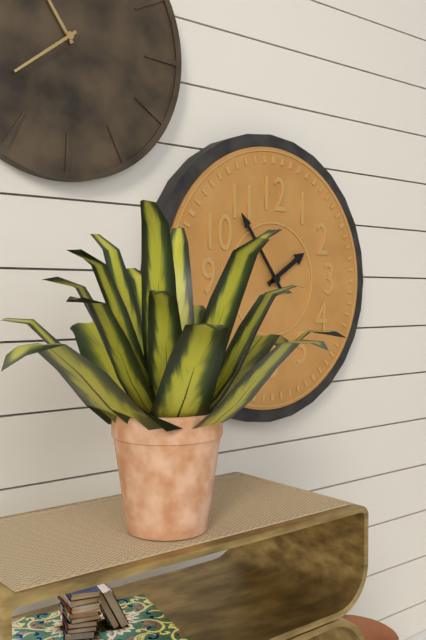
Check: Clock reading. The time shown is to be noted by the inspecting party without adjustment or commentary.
1:54
